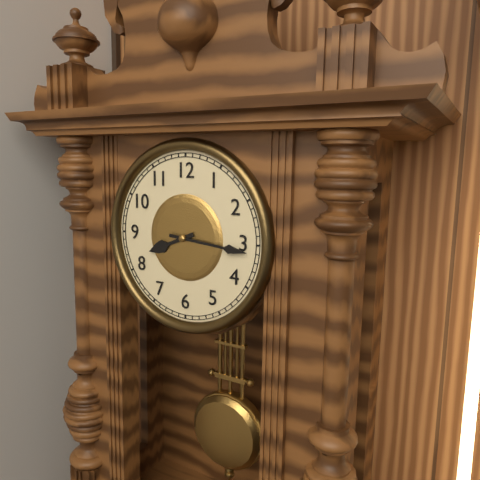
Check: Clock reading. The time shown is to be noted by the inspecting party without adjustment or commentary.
8:16
